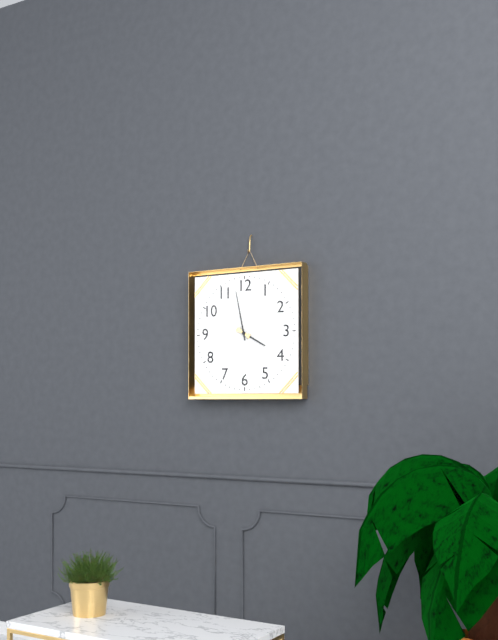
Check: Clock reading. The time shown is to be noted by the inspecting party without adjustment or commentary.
3:58
